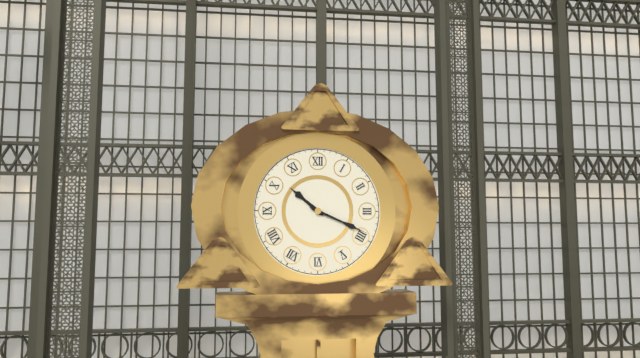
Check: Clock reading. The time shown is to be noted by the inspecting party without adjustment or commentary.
10:19
